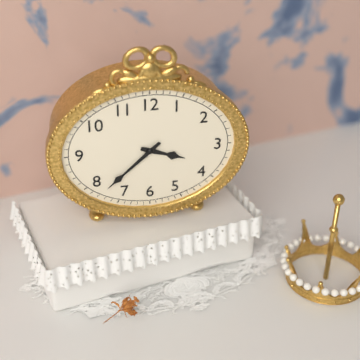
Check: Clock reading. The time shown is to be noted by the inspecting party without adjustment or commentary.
3:38
